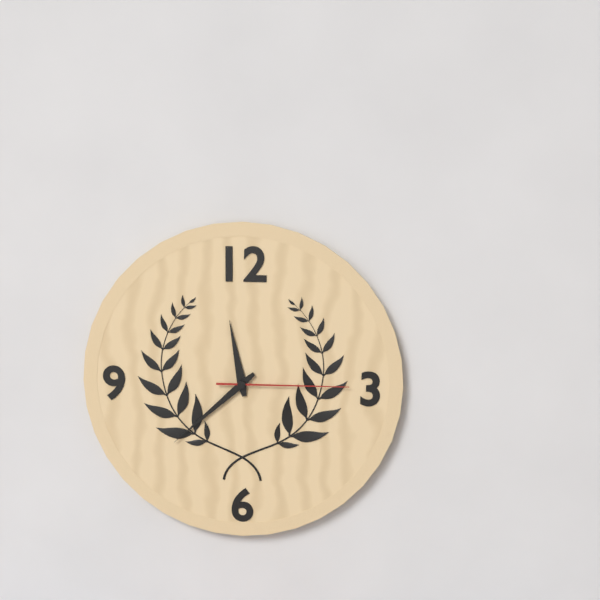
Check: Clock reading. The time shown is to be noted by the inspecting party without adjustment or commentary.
11:38:15
